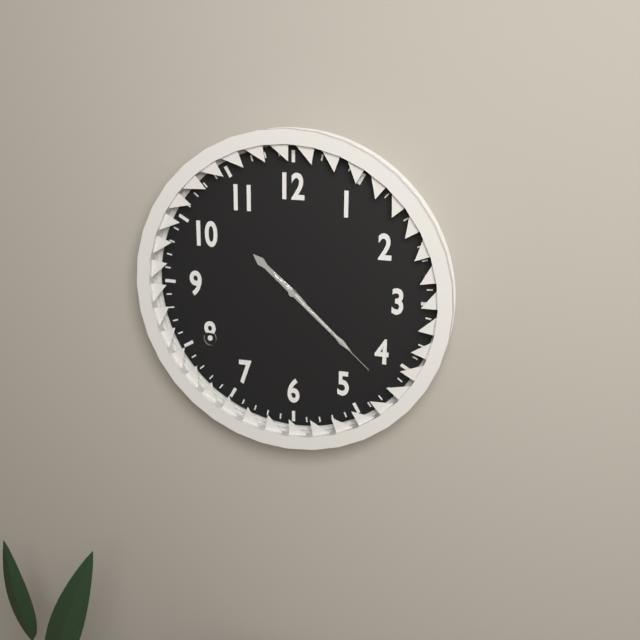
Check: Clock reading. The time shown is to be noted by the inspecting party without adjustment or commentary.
10:22:22
